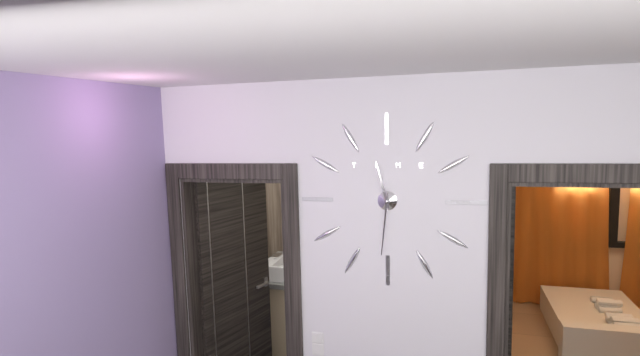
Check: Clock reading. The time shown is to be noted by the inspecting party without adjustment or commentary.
11:31
